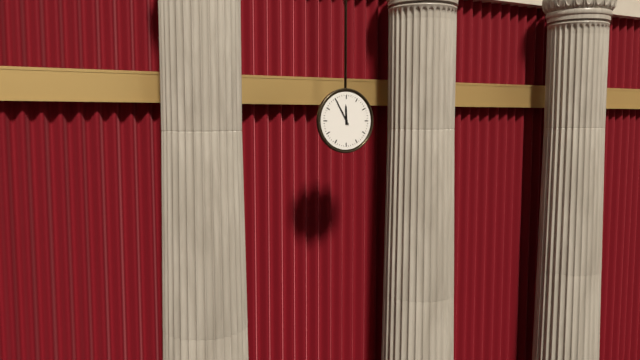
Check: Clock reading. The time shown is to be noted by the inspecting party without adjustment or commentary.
11:55
